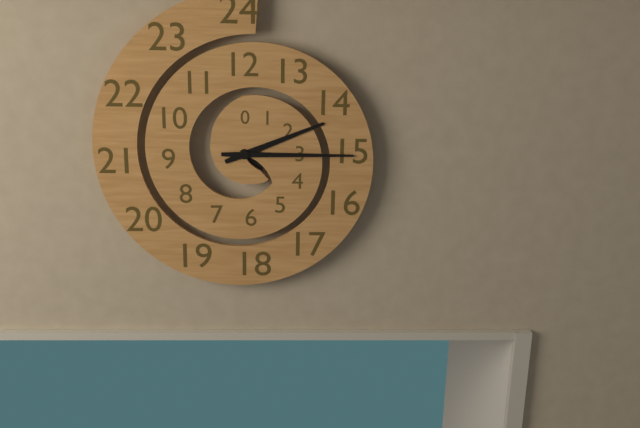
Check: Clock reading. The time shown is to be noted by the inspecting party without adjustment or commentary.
2:15
